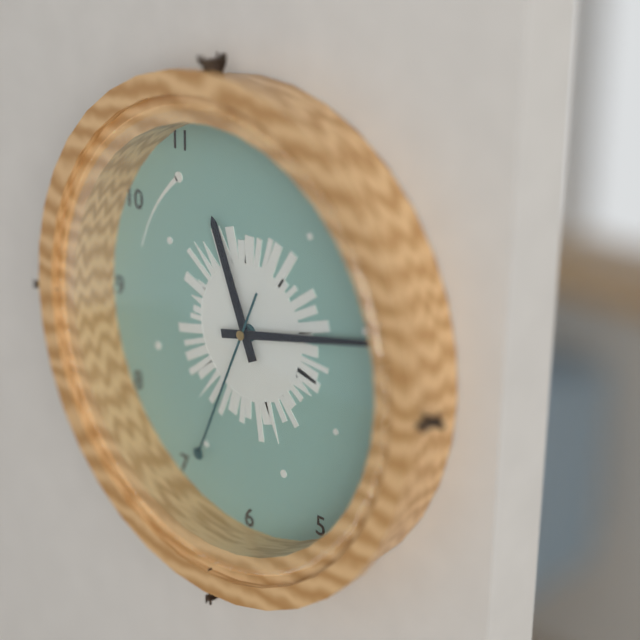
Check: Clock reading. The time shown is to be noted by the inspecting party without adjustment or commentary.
11:13:34
